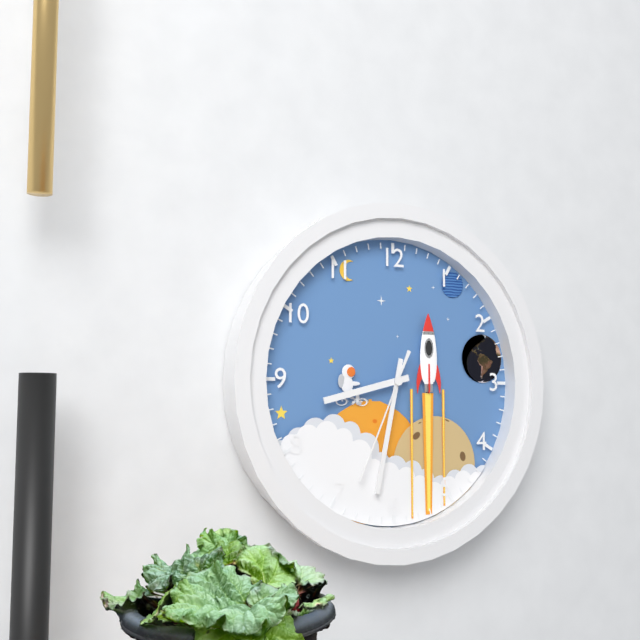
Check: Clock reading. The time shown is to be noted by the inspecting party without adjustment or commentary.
8:32:34
